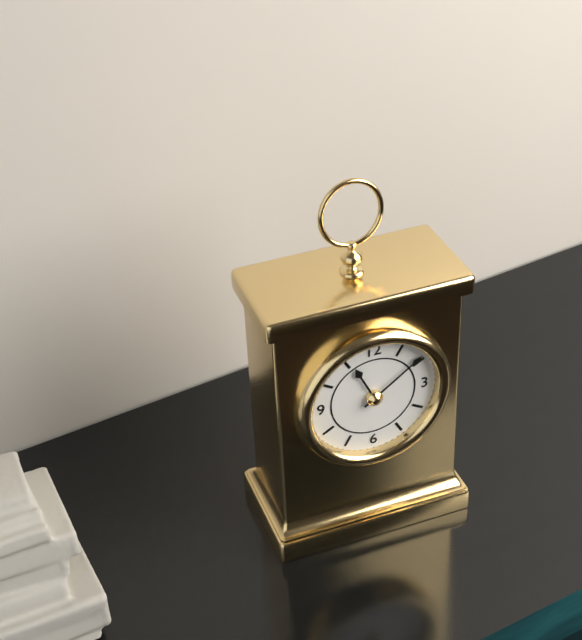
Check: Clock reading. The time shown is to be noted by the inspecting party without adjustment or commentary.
11:09
